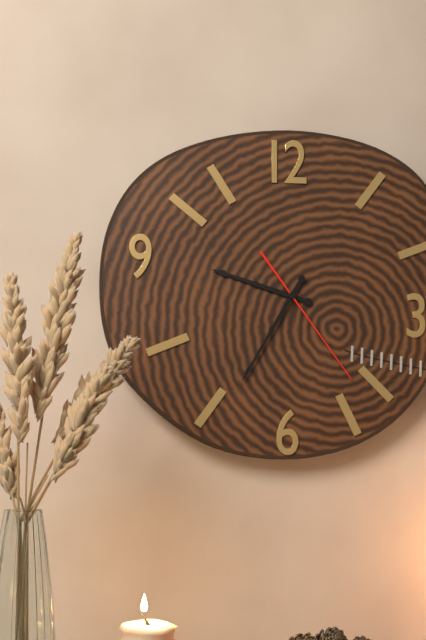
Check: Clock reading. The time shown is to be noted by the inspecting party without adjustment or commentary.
9:35:24
